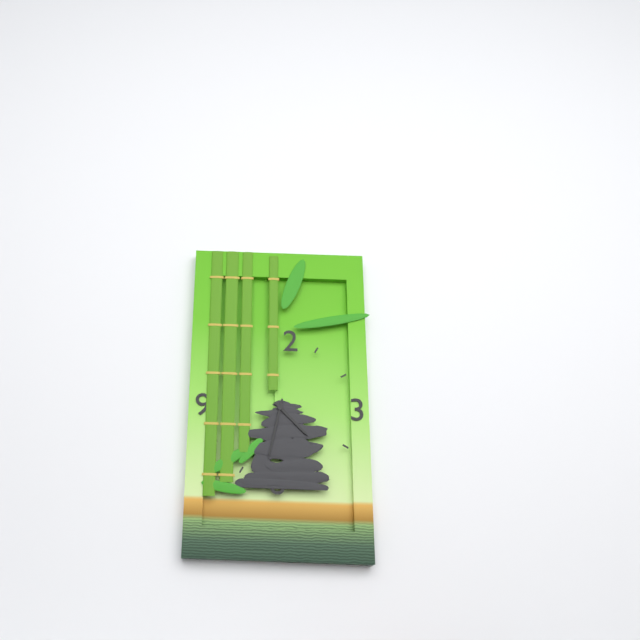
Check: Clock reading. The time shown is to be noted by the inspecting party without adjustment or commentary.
4:32
